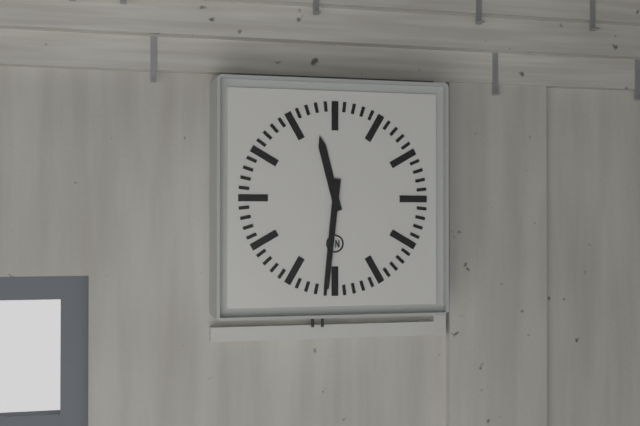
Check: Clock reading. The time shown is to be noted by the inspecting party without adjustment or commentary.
11:31
